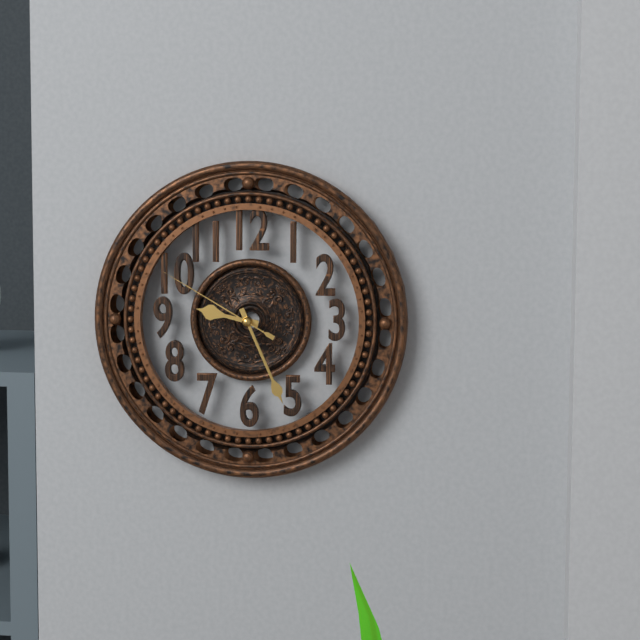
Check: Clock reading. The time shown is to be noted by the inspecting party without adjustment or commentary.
9:26:50
